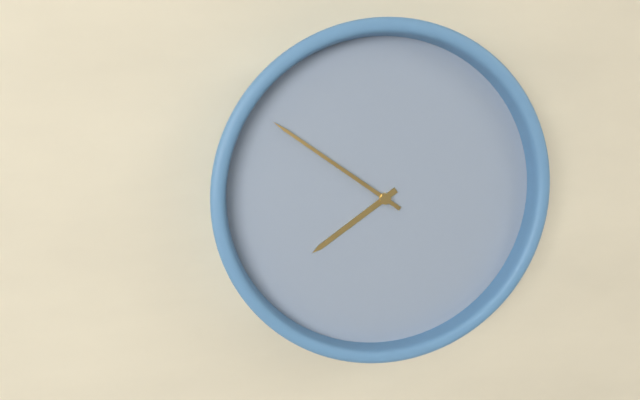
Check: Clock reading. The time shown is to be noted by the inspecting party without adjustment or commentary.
7:51
